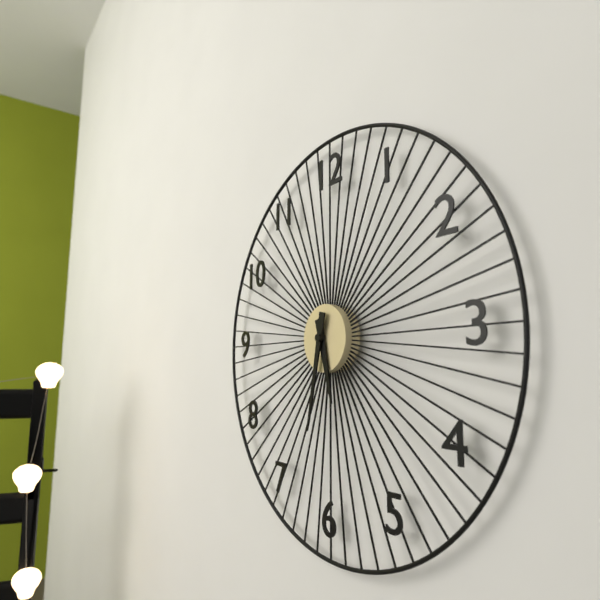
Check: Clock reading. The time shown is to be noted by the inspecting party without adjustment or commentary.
5:32
